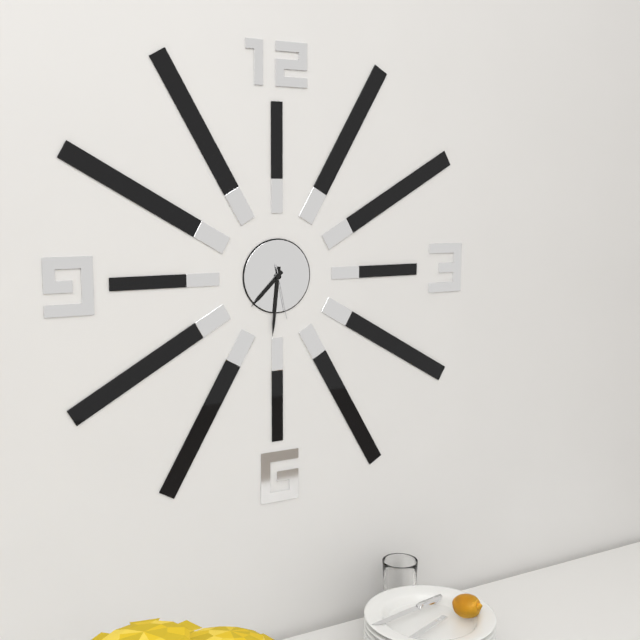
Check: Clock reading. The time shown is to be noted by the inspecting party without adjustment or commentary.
7:31:28
